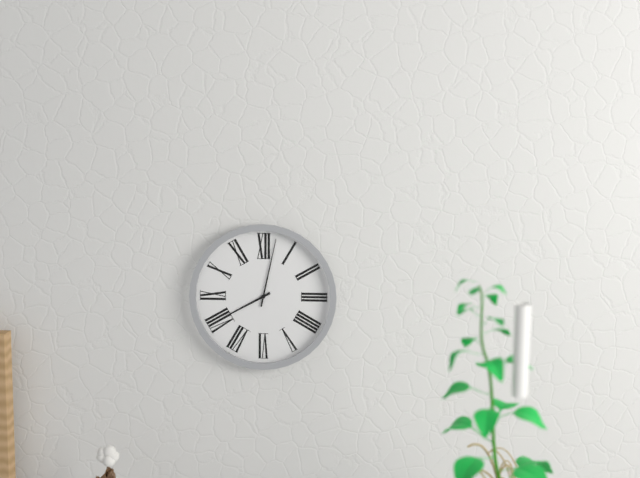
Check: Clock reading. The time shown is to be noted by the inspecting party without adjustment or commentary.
8:02
